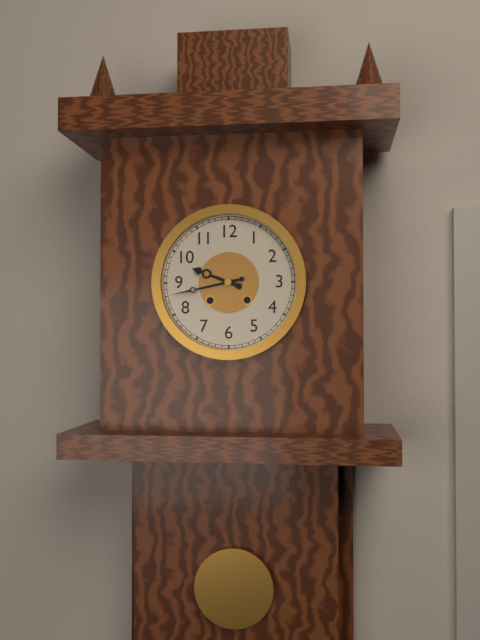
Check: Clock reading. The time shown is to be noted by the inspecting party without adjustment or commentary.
9:43
